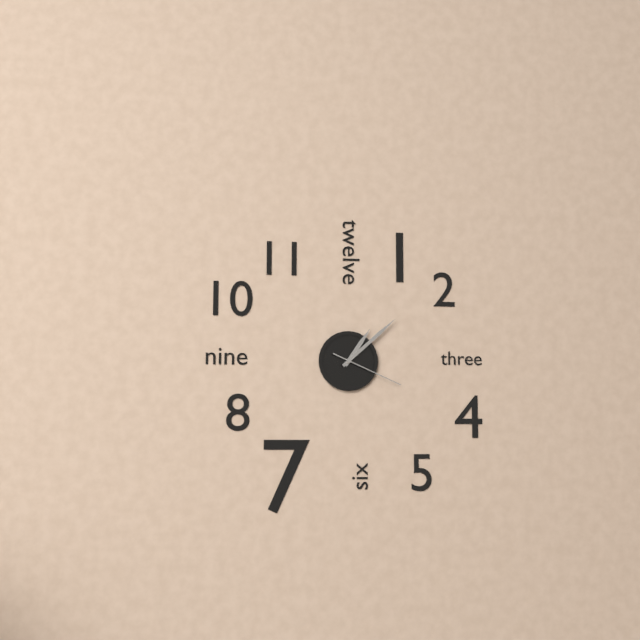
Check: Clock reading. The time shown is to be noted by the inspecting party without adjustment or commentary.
1:08:19
